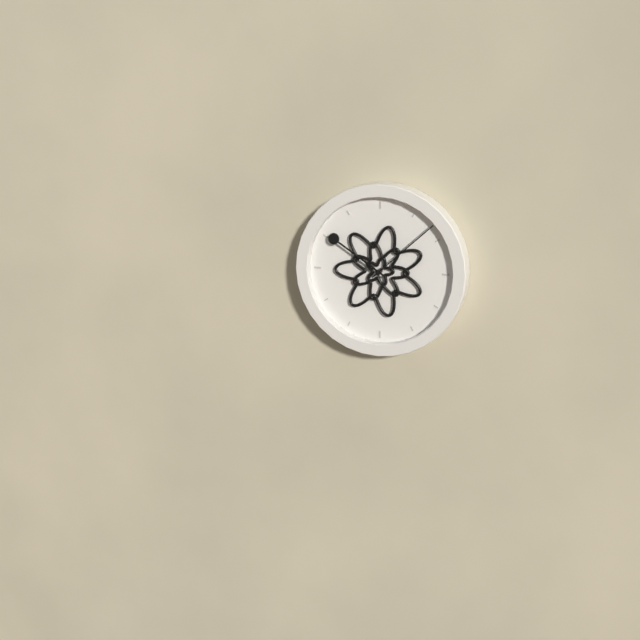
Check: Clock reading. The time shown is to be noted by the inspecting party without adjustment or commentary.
10:08
